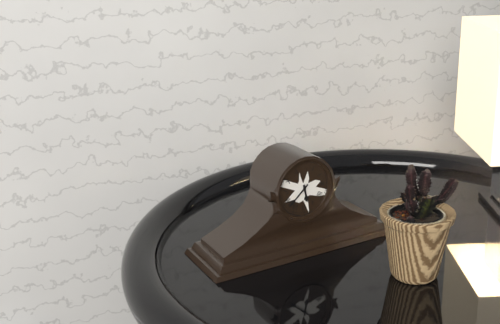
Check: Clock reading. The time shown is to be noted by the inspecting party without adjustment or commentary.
5:38
